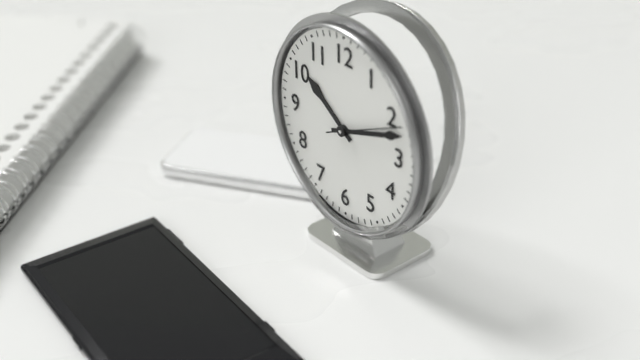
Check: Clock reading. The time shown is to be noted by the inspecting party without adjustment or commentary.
10:12
